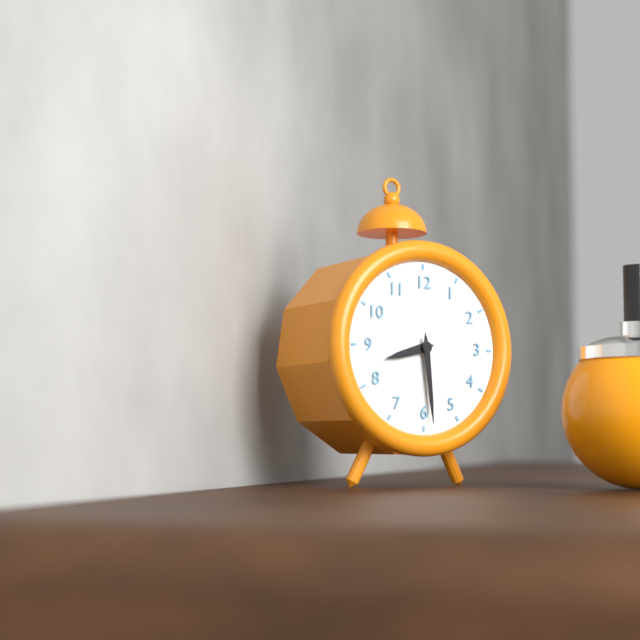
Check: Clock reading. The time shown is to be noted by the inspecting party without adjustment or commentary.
8:29
